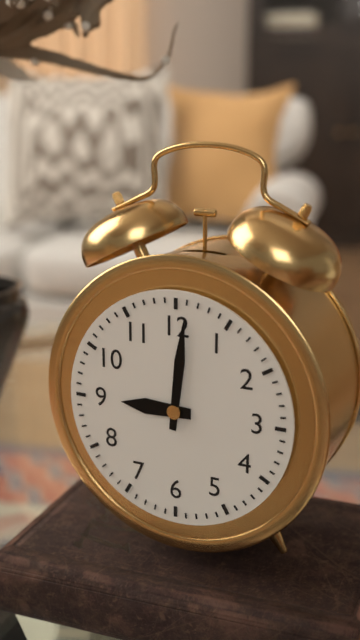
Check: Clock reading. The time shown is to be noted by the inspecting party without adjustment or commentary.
9:01
